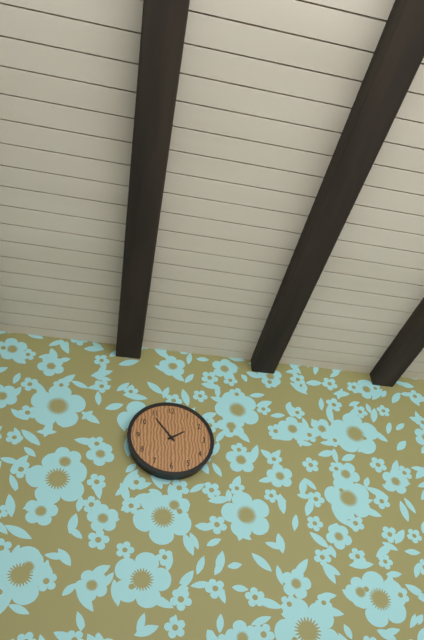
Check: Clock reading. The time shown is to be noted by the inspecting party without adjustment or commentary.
1:54
